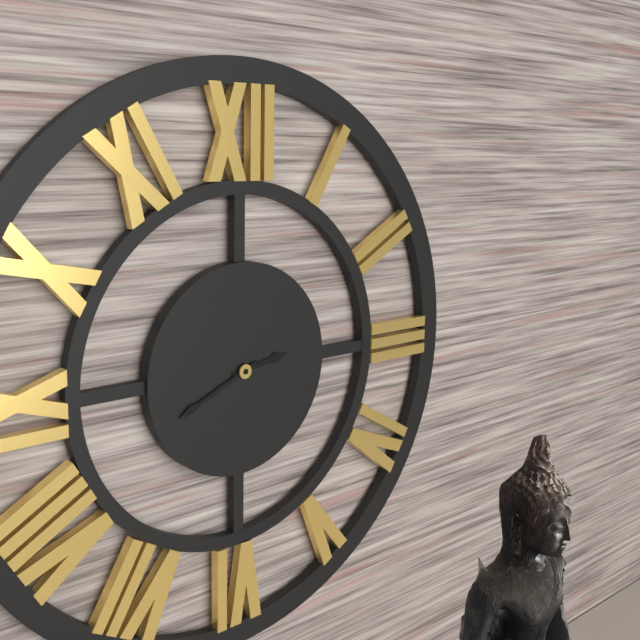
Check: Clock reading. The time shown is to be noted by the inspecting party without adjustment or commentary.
2:41
